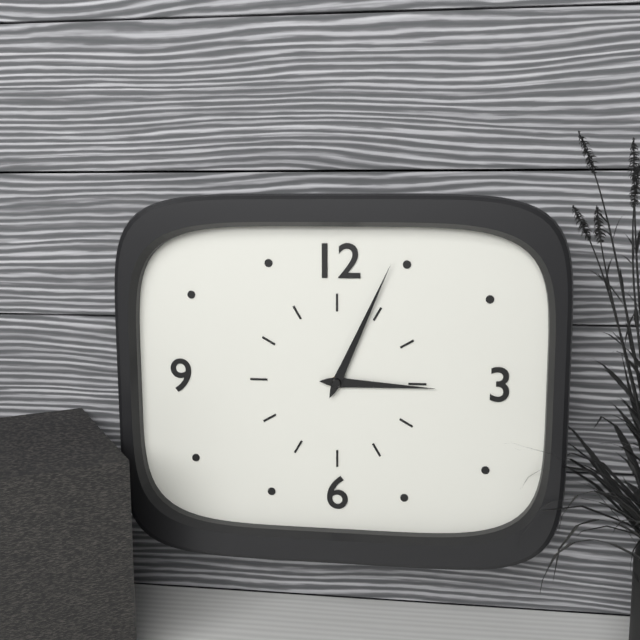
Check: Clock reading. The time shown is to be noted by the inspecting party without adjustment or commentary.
3:04
